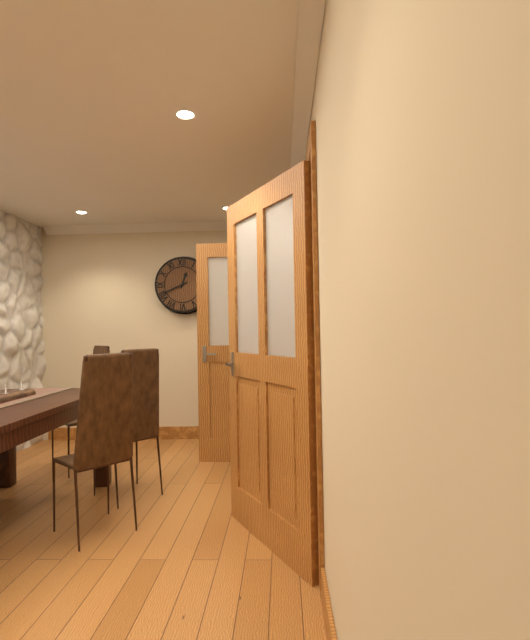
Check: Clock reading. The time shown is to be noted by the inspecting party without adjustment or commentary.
12:41
